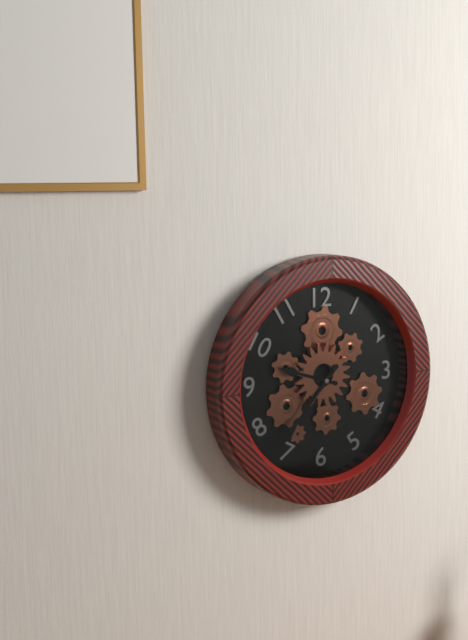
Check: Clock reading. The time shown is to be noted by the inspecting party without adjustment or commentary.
9:37
